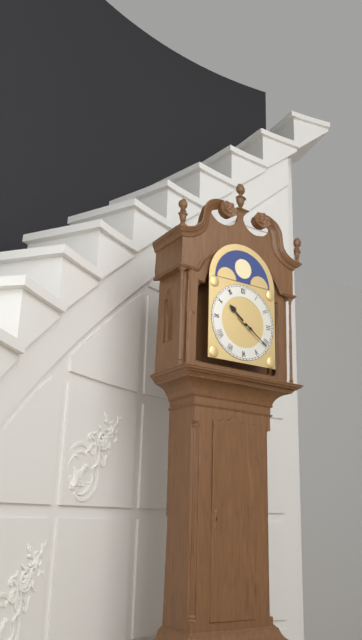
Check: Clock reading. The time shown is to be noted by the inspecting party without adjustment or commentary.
10:21
